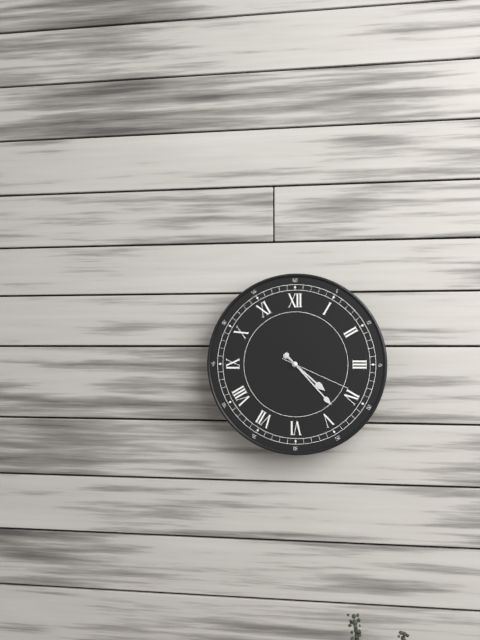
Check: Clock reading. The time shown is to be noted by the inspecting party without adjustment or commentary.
4:23:19
